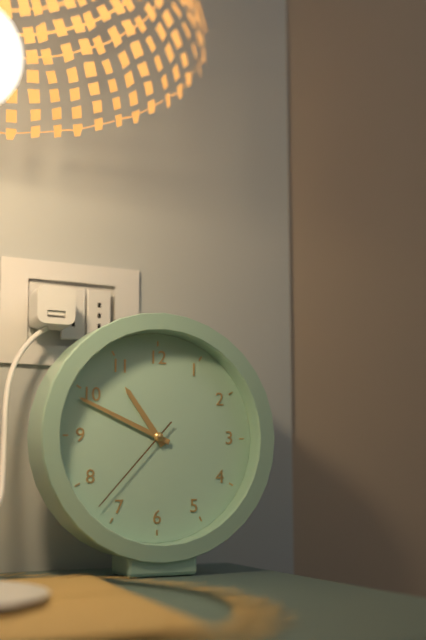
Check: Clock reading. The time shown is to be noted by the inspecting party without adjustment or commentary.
10:49:37
